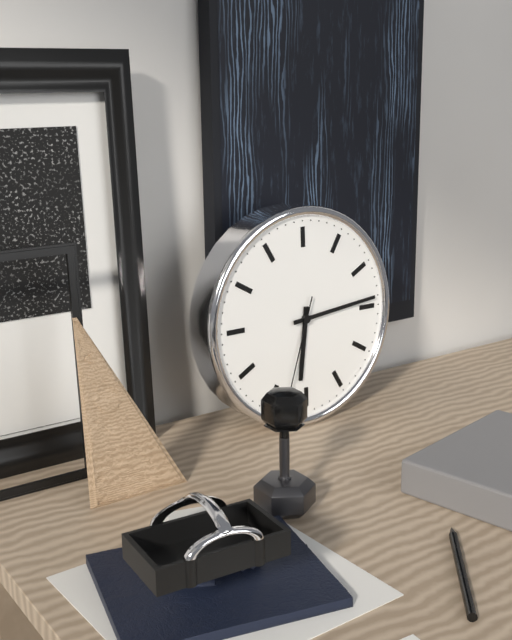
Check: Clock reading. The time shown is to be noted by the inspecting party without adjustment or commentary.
6:14:33
